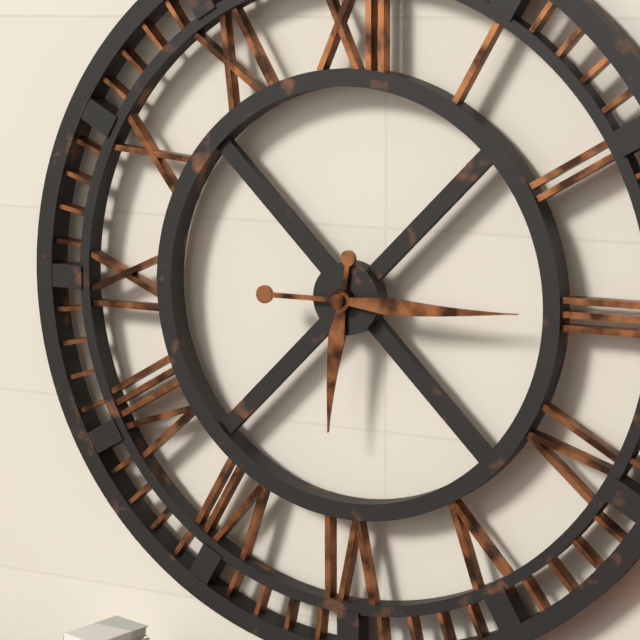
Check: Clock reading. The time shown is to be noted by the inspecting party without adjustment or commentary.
6:15
